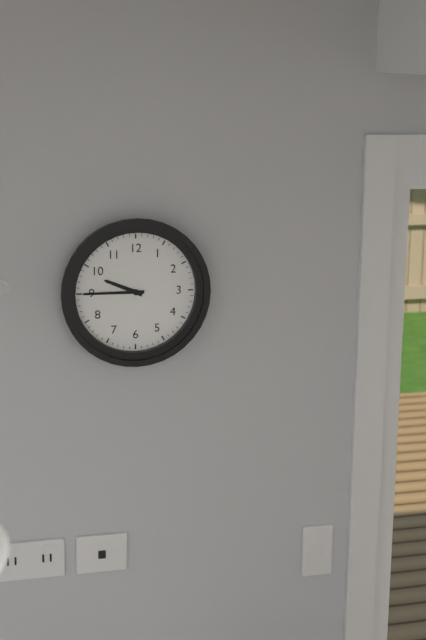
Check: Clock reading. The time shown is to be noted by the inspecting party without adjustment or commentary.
9:45
